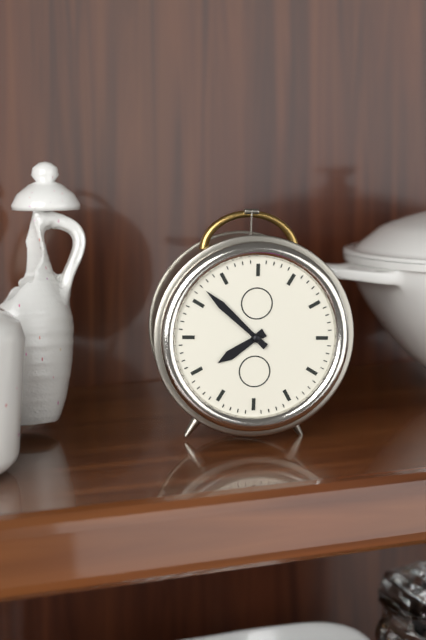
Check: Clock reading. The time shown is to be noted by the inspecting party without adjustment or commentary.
7:52
